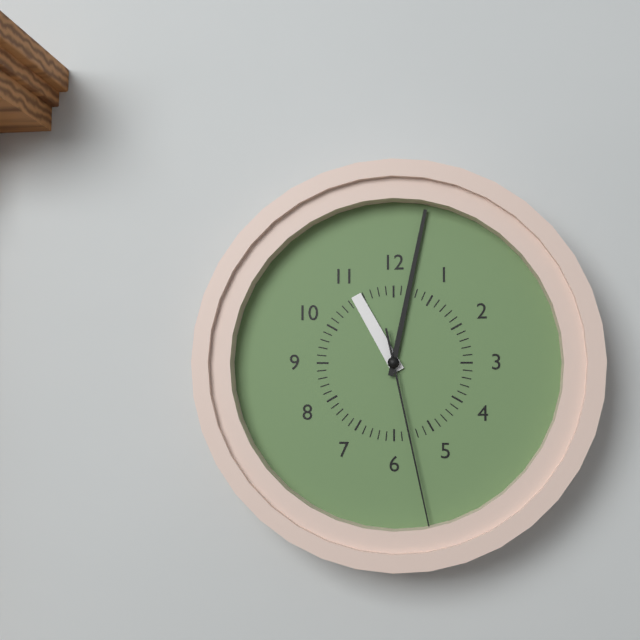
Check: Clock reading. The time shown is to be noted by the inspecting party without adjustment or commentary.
11:02:28
